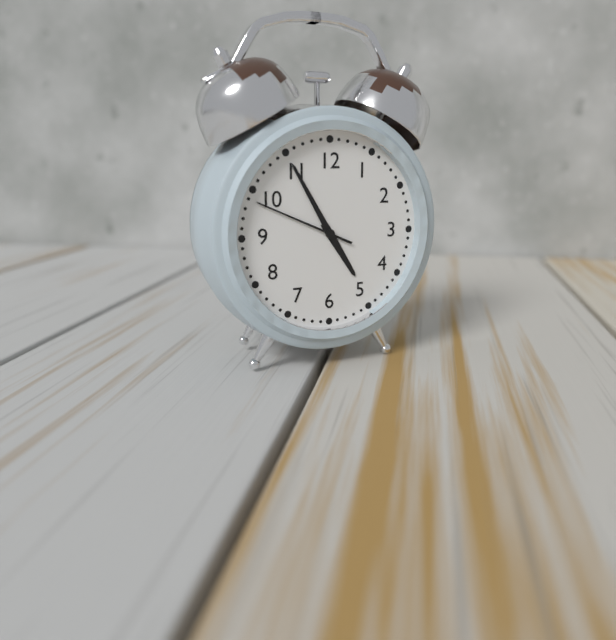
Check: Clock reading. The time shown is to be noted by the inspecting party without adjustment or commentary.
4:55:49
